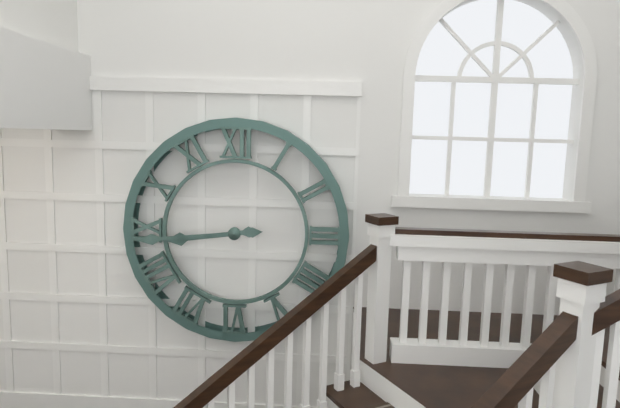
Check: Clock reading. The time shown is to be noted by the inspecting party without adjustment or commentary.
8:44
